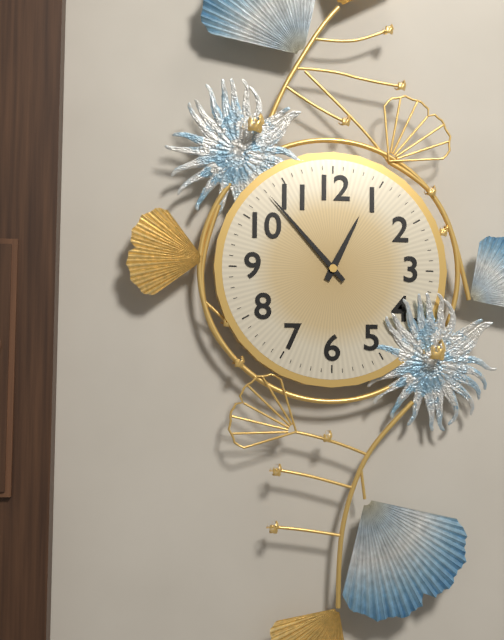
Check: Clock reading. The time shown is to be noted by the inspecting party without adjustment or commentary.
12:53
